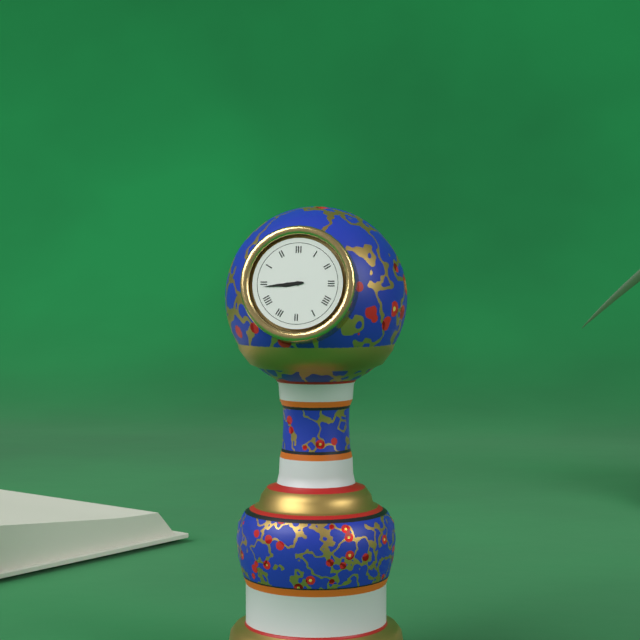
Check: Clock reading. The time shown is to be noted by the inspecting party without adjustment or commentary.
8:44
